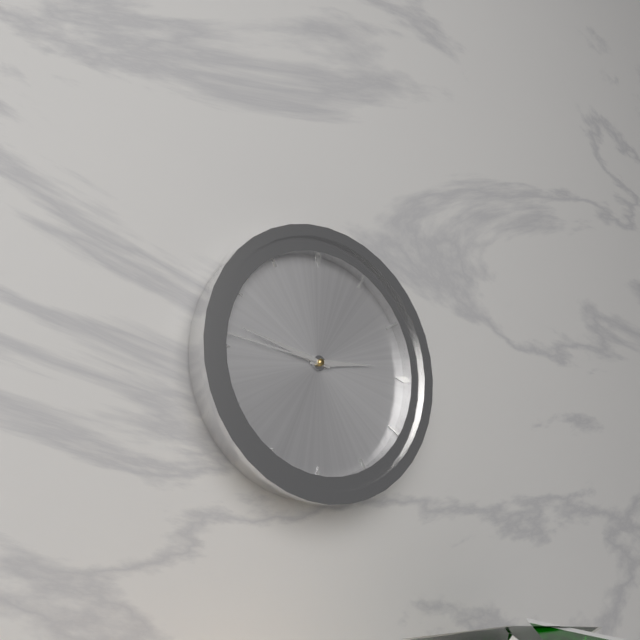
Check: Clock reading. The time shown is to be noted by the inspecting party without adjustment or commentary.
2:47:46
